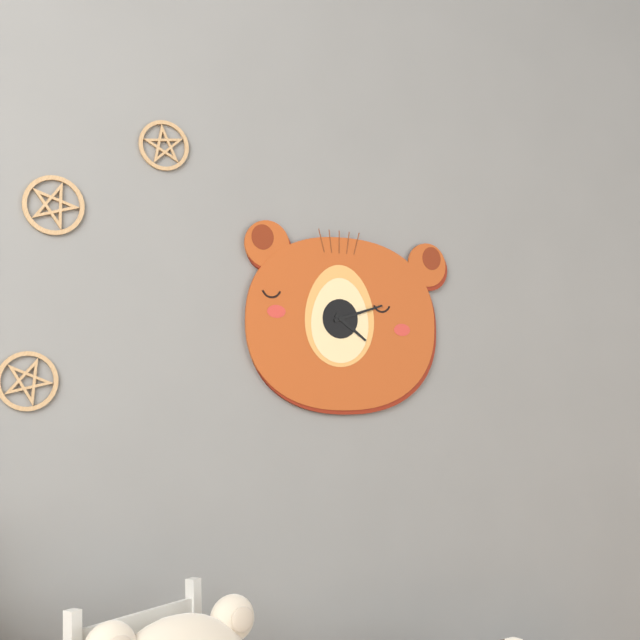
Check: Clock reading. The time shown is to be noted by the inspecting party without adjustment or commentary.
4:12
